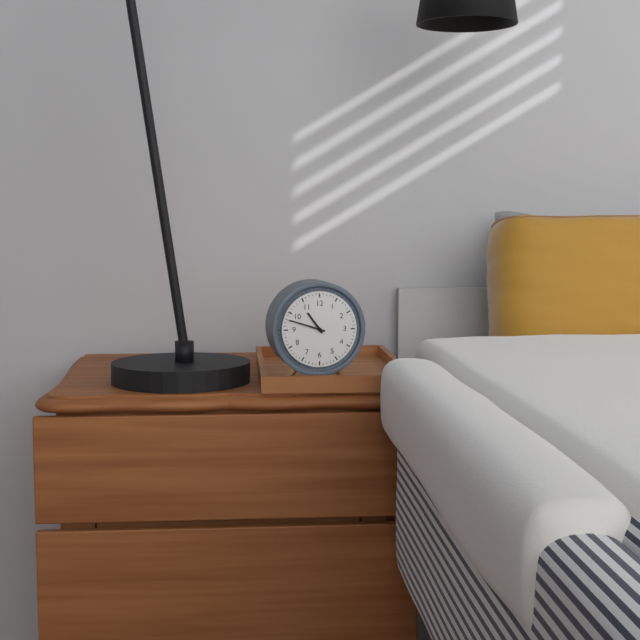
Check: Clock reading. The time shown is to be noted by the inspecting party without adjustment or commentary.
10:48
